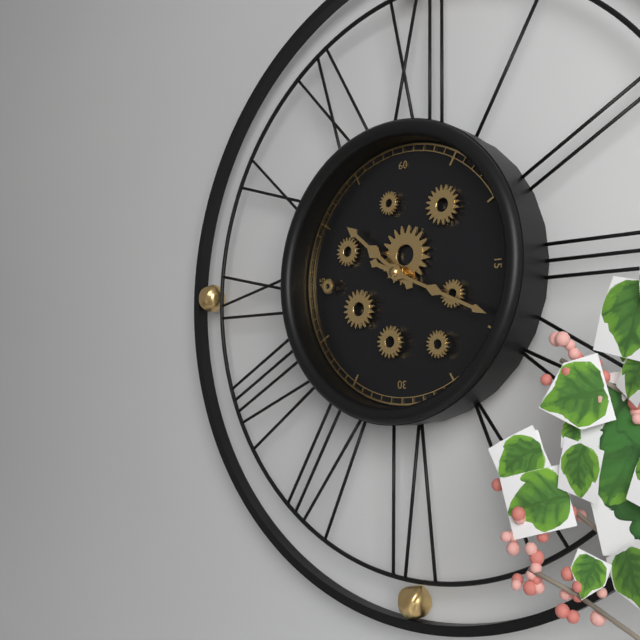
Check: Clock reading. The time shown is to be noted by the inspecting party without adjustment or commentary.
10:19
